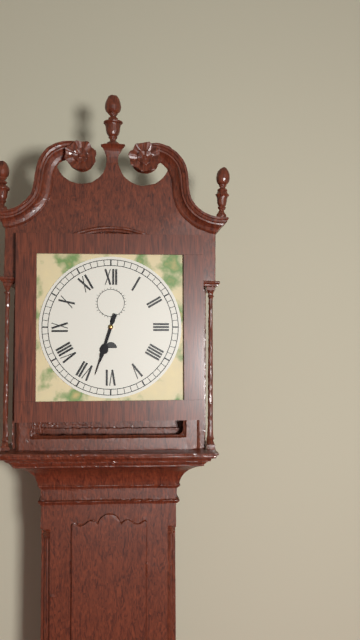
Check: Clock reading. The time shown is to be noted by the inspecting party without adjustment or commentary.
6:33
